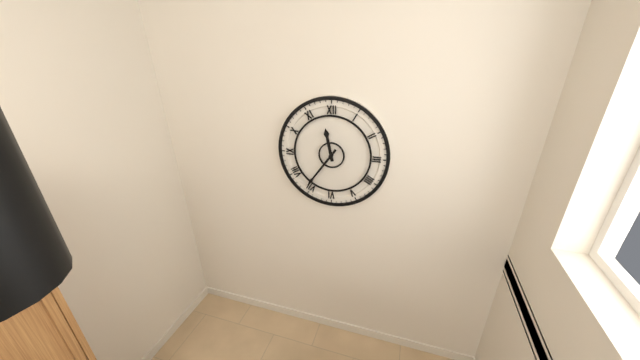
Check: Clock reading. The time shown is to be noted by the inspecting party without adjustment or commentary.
11:36
